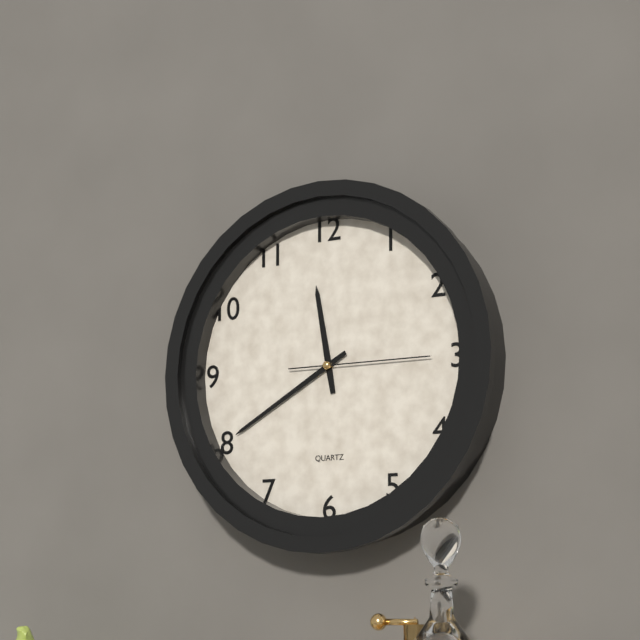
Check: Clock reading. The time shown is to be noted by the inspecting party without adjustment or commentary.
11:40:15
